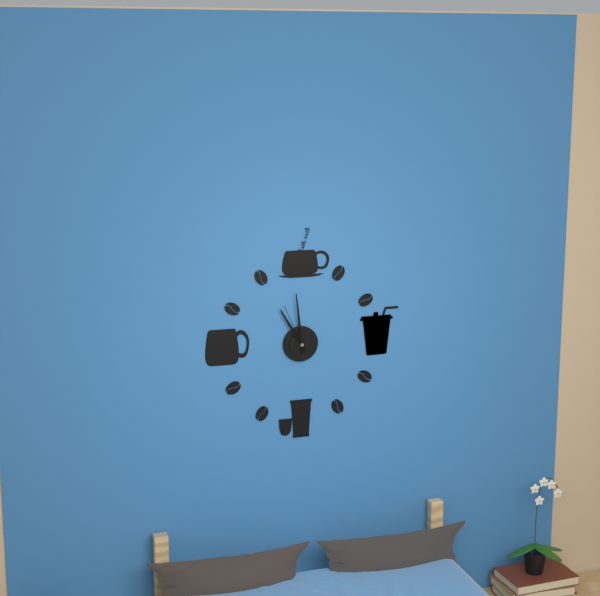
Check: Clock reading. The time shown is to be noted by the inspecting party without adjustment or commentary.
10:59:56
